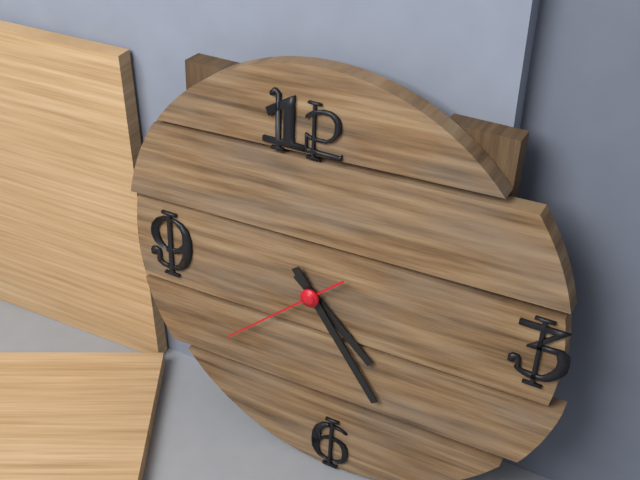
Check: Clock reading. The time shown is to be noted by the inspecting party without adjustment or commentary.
4:24:38
